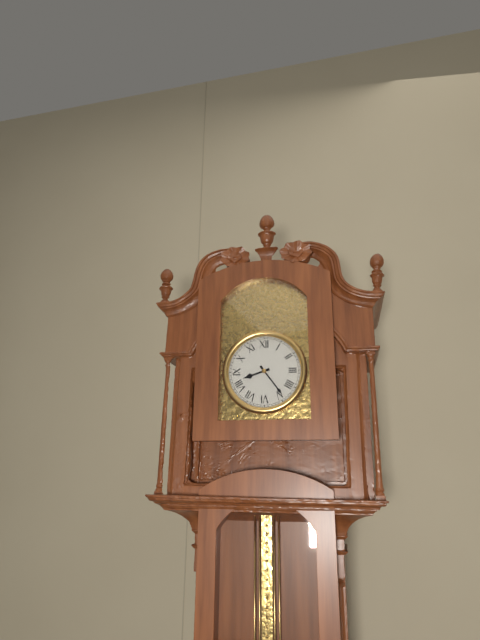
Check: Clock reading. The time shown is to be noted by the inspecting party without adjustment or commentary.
8:24
